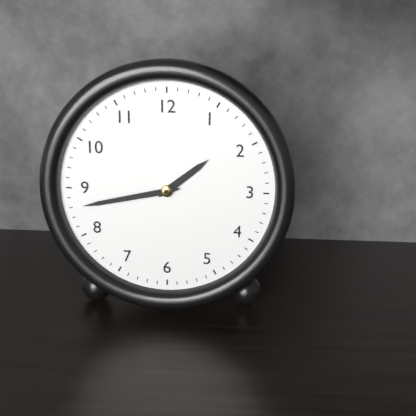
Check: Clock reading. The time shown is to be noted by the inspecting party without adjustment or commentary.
1:43
